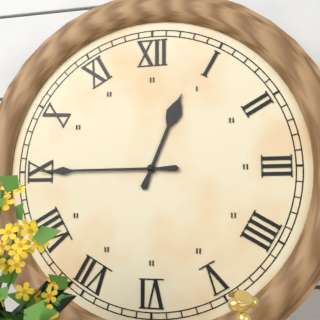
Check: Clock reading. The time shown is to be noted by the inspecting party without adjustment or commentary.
12:45
